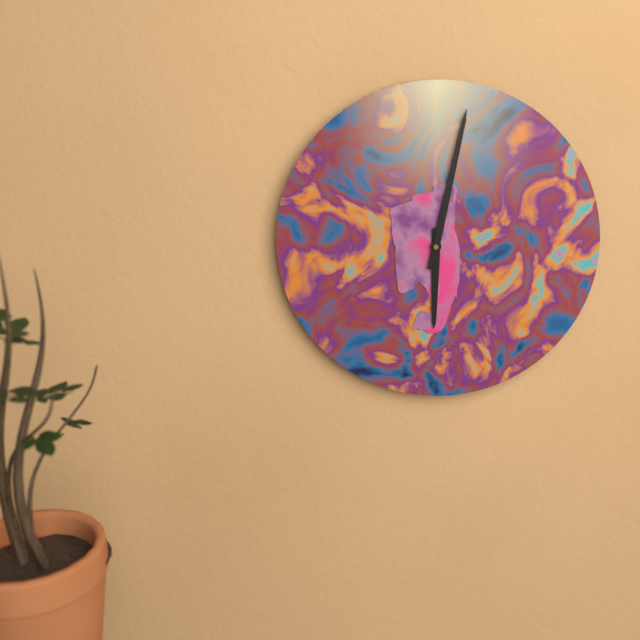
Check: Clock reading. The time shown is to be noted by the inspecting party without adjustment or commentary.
6:02
